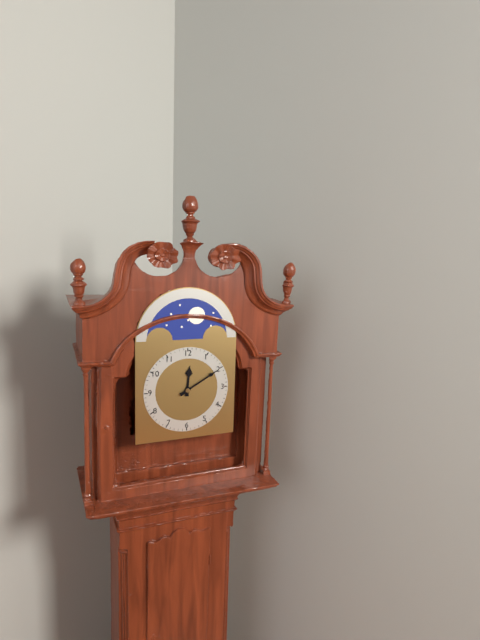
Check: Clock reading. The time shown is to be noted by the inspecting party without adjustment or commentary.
12:10
